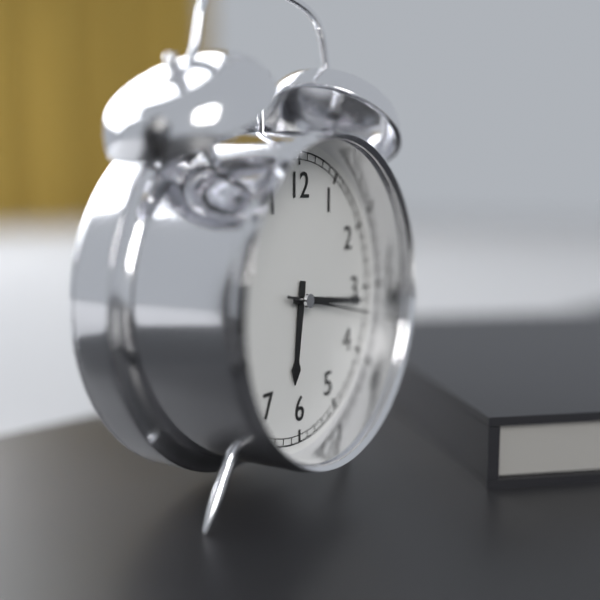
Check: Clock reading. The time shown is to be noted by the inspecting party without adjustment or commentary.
6:16:17
